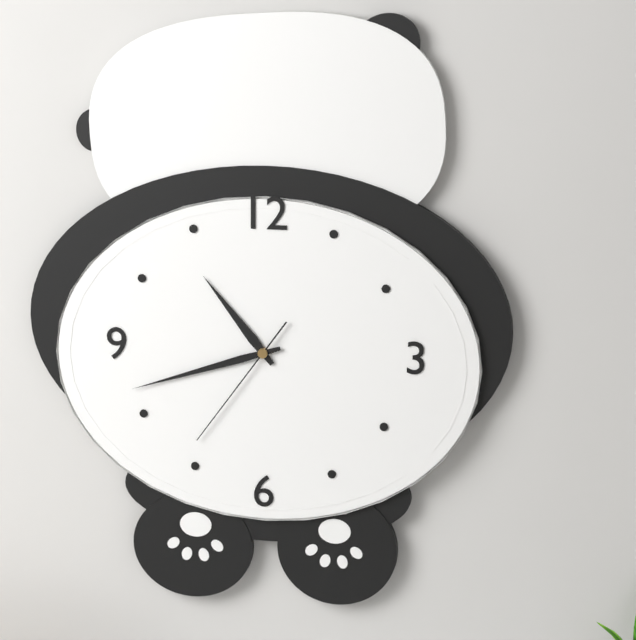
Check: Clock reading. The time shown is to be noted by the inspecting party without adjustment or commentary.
10:42:36
